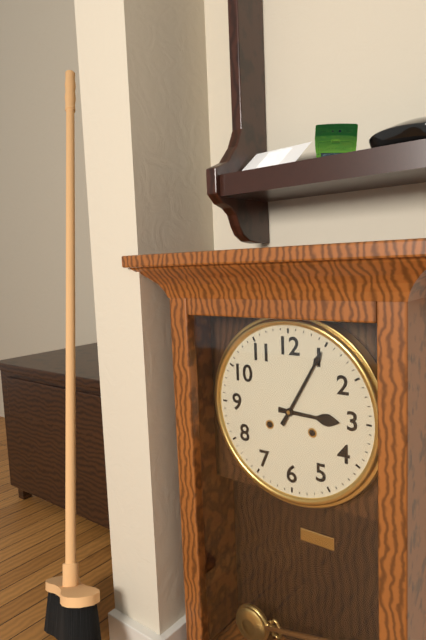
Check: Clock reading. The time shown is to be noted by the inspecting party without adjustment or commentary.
3:05
